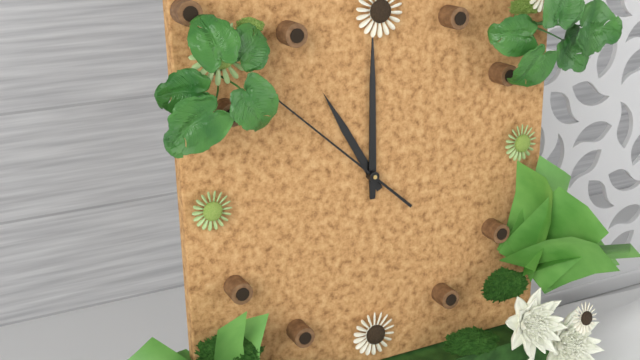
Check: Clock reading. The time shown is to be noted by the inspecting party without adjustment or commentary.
11:00:52
